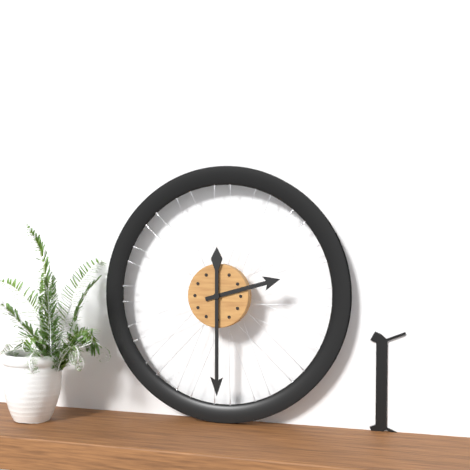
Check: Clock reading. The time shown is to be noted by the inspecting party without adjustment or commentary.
2:30
